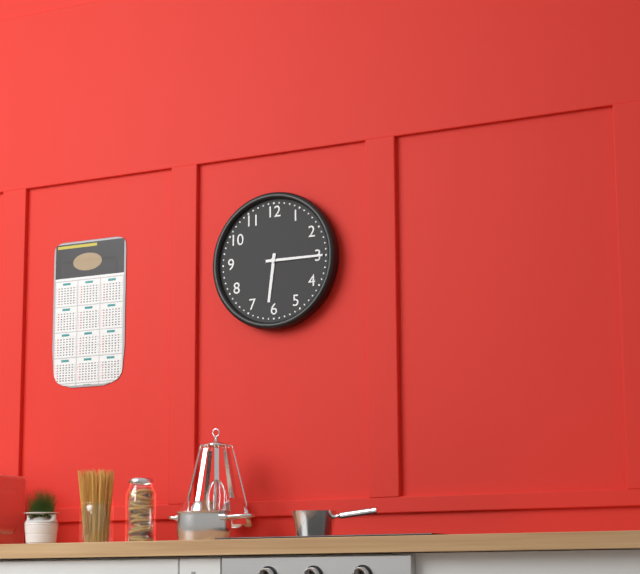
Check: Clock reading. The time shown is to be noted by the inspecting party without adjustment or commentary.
6:15
